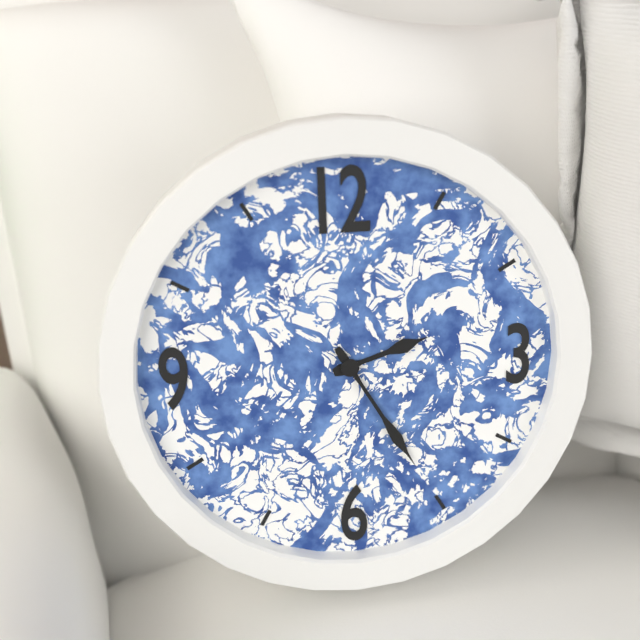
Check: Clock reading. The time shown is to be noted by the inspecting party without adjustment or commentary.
2:25
